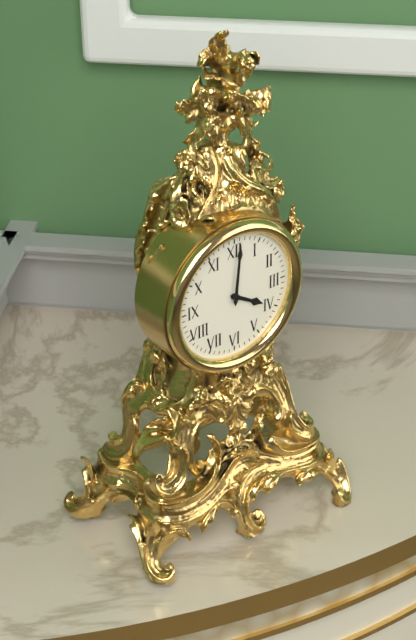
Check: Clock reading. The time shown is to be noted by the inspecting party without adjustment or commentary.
4:01
